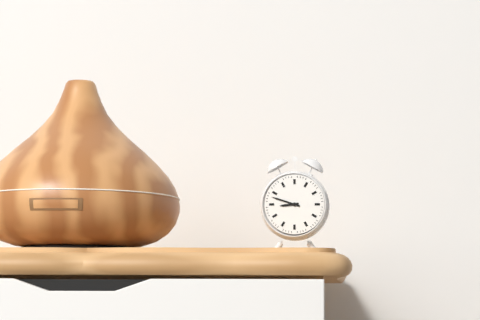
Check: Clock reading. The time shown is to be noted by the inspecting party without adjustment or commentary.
8:48
